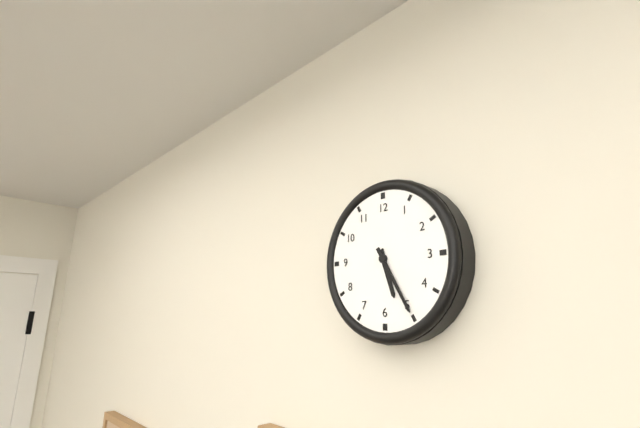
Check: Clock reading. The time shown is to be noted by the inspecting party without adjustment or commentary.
5:25
